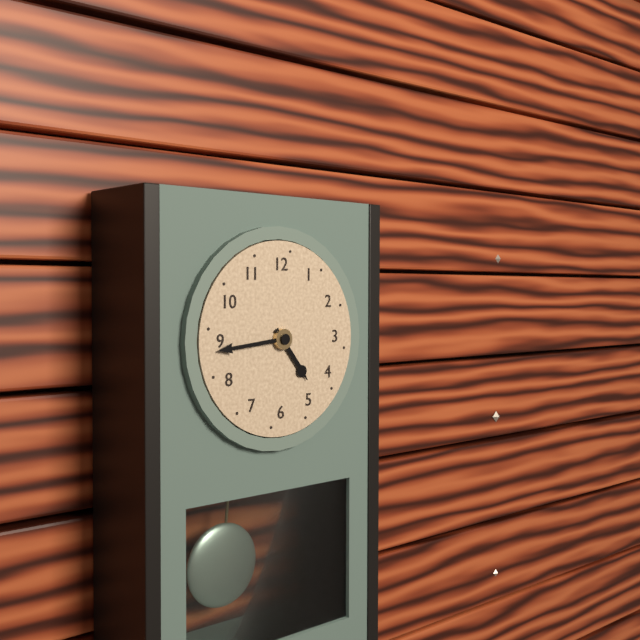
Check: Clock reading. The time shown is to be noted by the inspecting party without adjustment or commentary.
4:44
